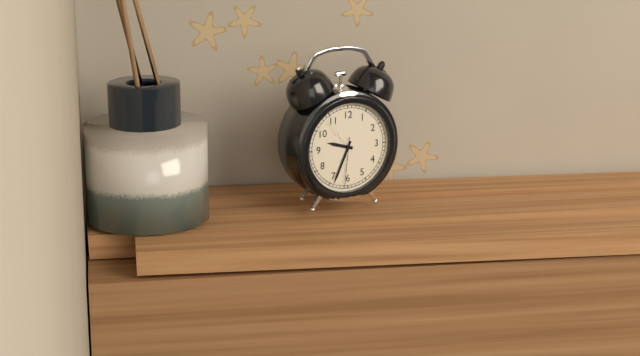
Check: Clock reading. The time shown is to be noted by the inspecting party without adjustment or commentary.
9:34:31
